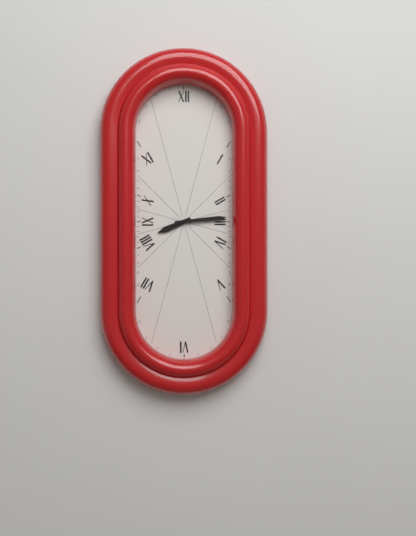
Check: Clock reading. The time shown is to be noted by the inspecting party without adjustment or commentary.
8:14
